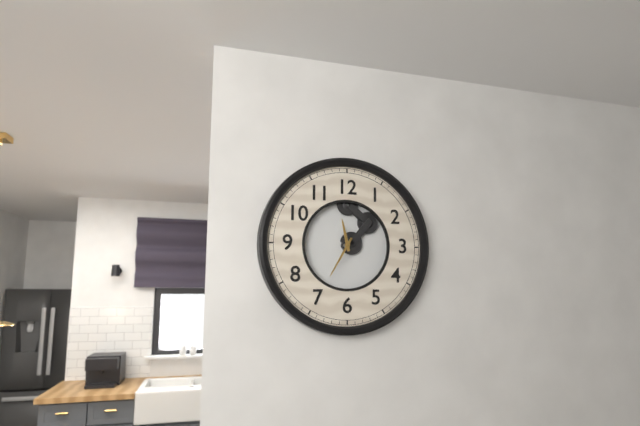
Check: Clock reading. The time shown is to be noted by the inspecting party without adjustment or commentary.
11:35
